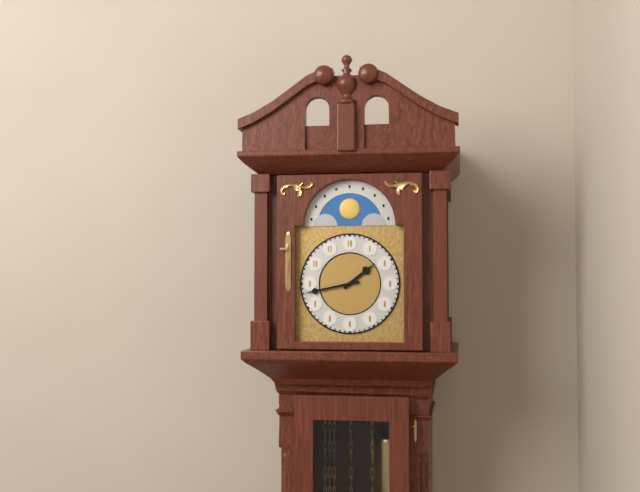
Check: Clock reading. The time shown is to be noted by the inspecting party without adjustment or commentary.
1:43
